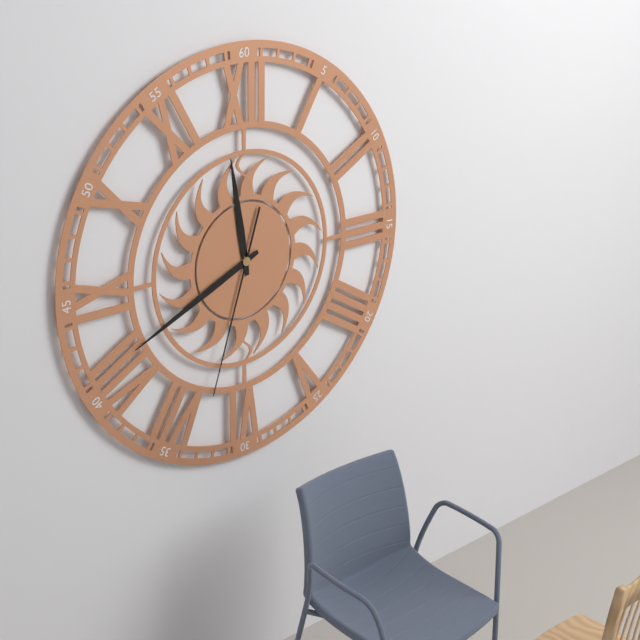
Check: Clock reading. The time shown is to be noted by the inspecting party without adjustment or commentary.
11:41:33
